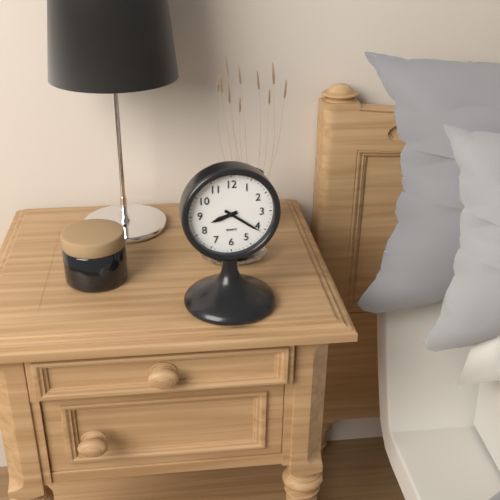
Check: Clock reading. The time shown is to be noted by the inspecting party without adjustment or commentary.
8:21
